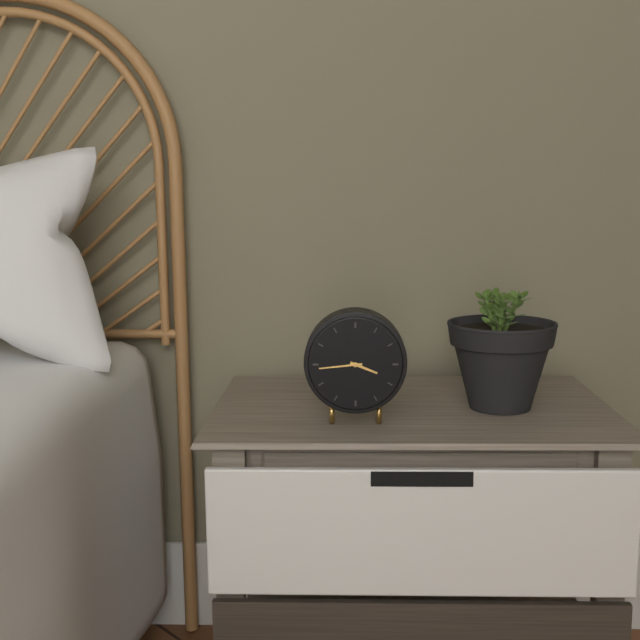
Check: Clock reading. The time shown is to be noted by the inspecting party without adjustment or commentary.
3:44
